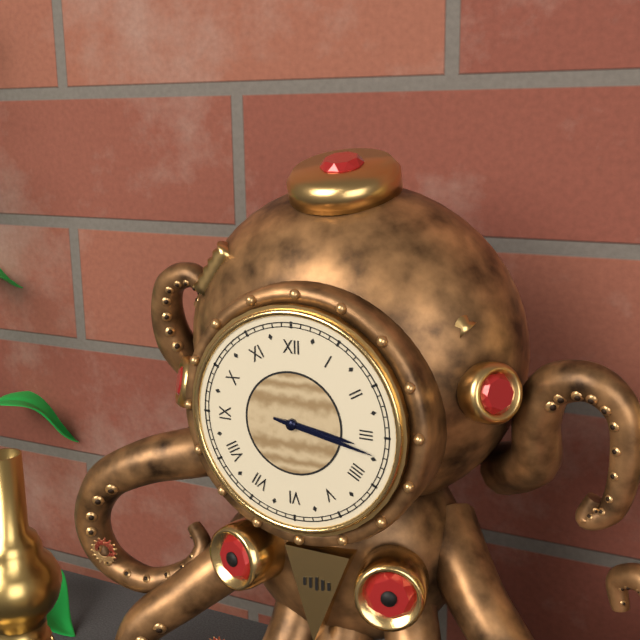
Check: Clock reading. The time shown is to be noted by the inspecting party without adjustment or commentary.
3:17
